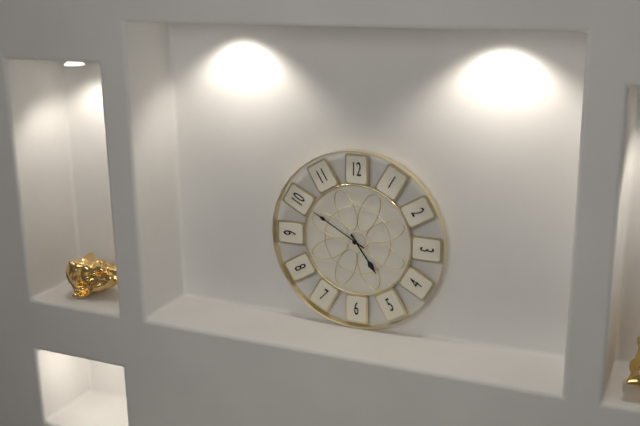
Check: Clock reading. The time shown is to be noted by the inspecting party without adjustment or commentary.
4:50
